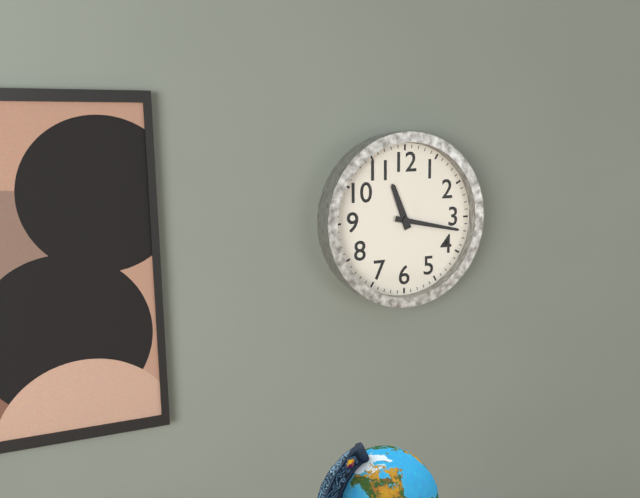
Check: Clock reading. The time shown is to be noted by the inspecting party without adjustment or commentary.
11:17
